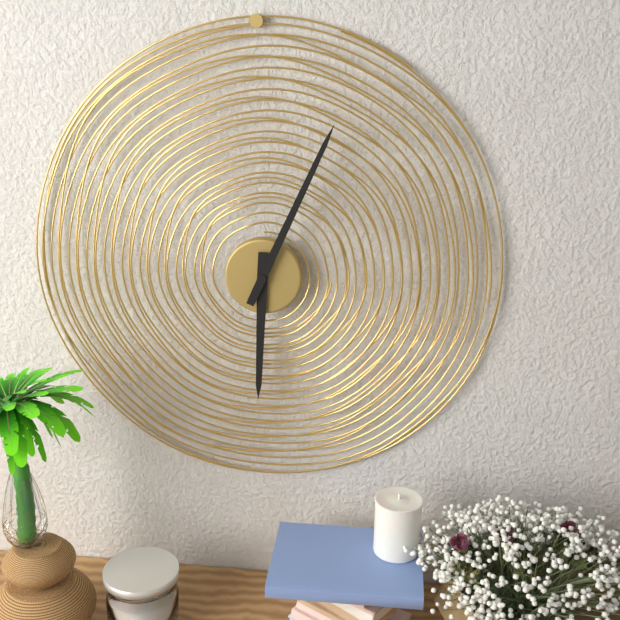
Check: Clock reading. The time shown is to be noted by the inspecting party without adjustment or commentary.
6:04
